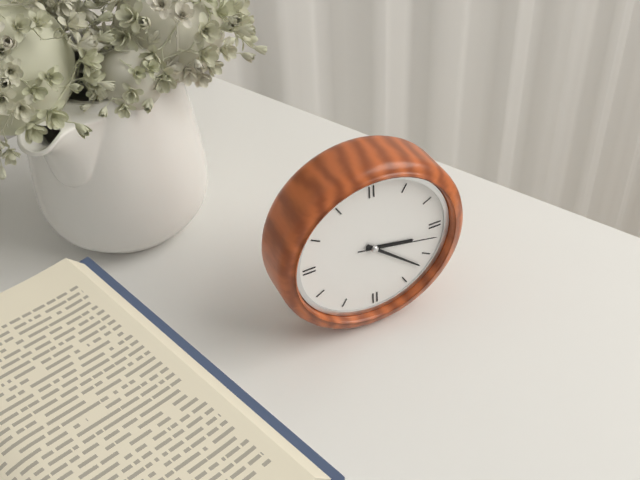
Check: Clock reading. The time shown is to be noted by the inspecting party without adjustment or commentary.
3:22:17
